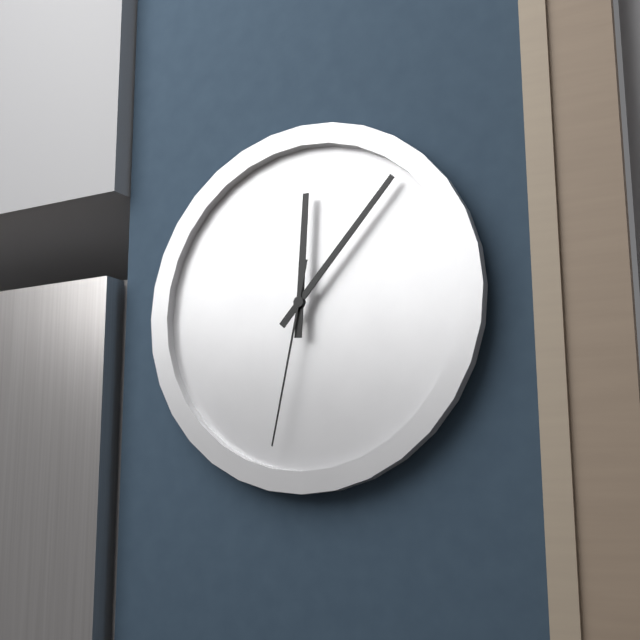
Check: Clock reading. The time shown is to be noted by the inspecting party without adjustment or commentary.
12:07:32
